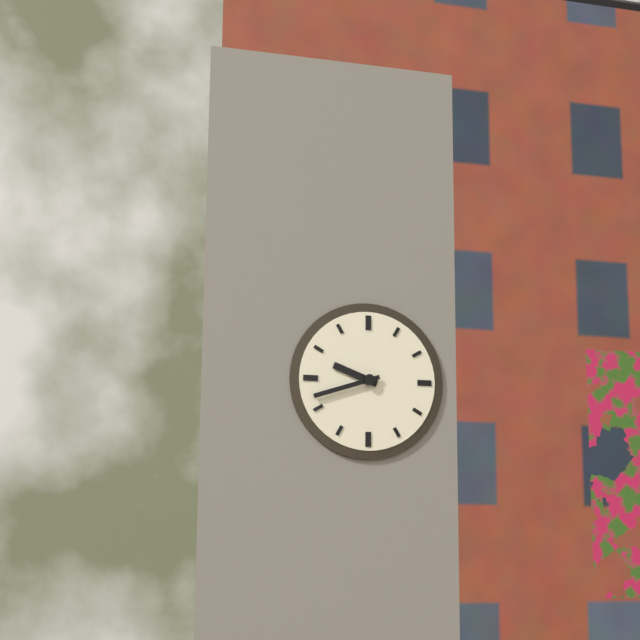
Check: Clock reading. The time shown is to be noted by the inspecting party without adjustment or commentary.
9:42
